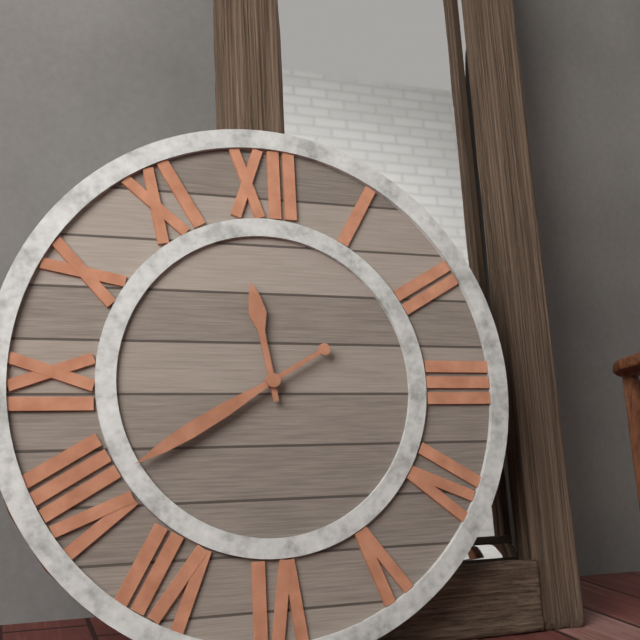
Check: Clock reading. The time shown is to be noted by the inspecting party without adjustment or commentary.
11:40
